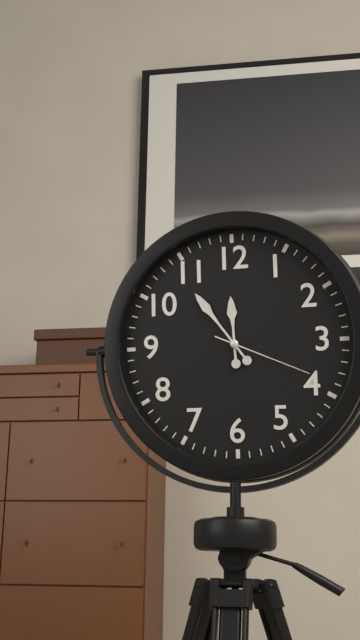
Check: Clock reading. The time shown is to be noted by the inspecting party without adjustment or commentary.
11:54:19
